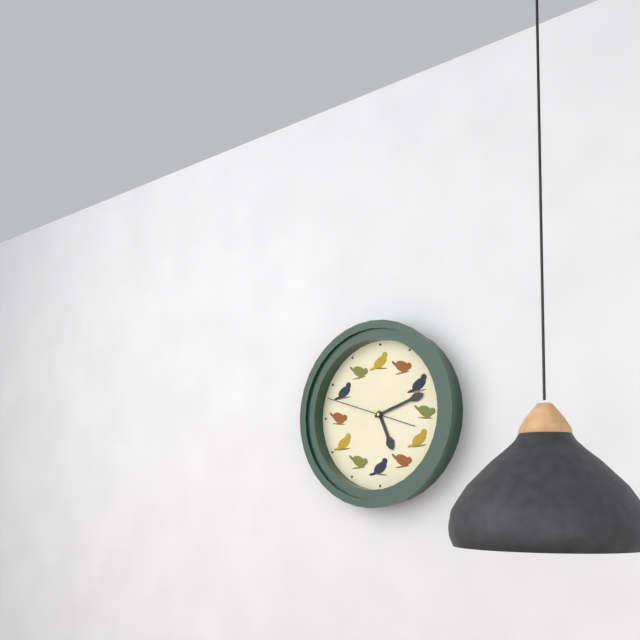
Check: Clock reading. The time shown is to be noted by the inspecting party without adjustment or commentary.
5:12:48
